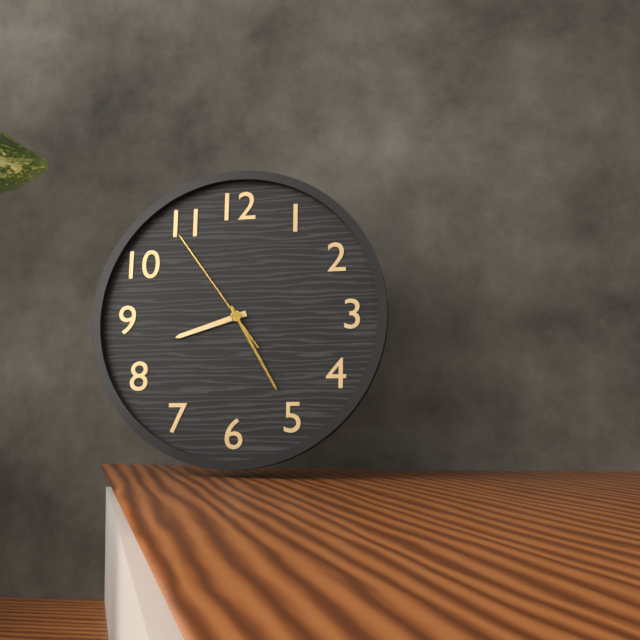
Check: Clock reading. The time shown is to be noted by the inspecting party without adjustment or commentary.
8:25:54
